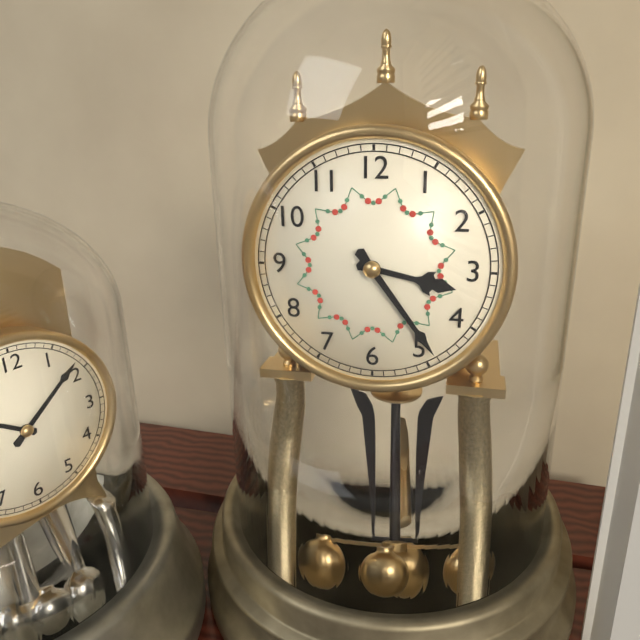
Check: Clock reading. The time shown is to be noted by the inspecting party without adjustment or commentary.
3:24
